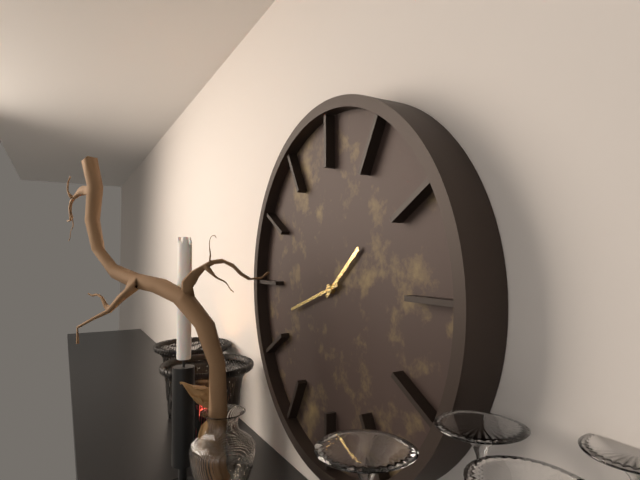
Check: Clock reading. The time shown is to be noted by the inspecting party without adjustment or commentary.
1:42
